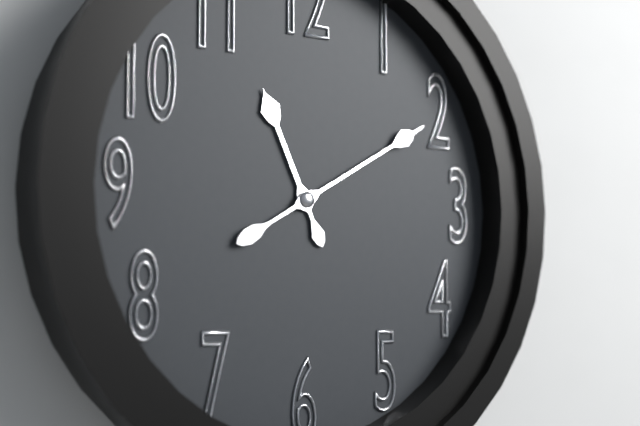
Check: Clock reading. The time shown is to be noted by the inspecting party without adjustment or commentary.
11:10
